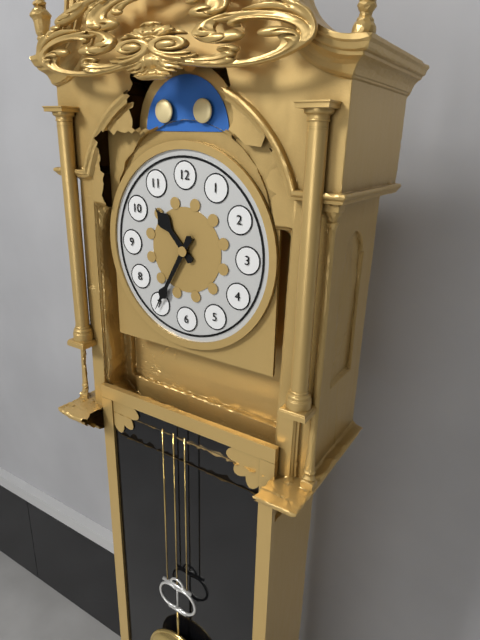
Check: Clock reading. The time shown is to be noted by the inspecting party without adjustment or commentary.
10:35
